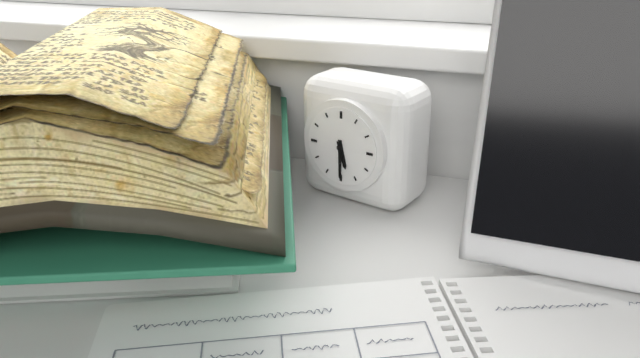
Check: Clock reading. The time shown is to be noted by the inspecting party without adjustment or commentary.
5:30
